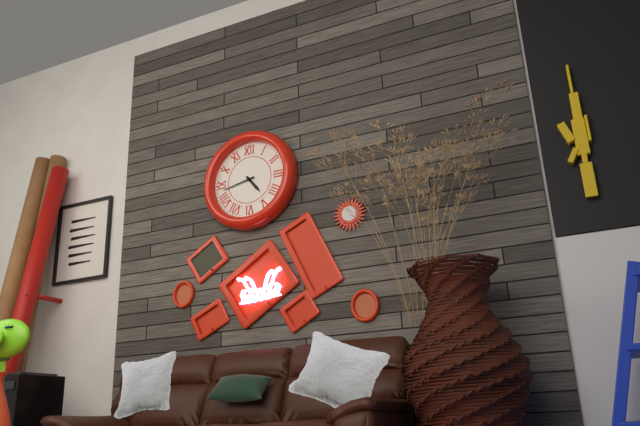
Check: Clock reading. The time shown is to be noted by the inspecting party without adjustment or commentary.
4:43
